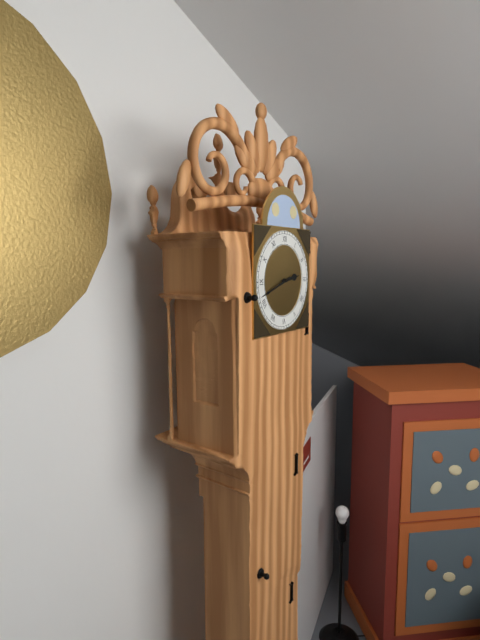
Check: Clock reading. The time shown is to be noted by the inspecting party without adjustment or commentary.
2:42
